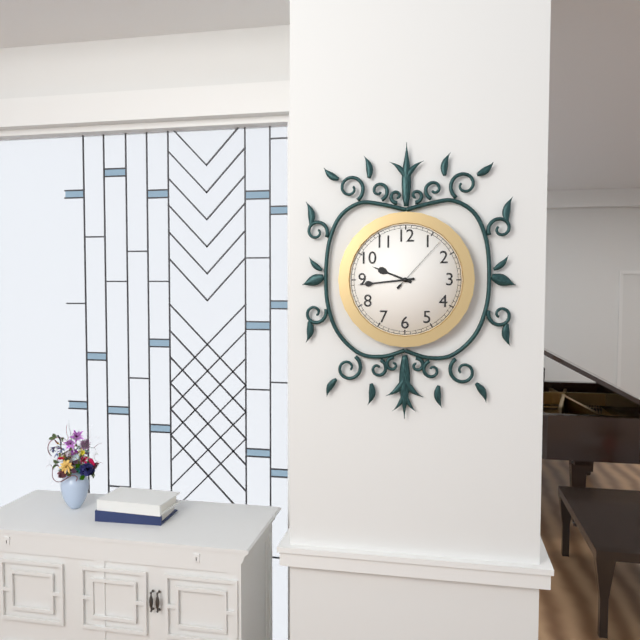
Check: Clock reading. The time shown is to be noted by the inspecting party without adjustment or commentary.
9:44:07
